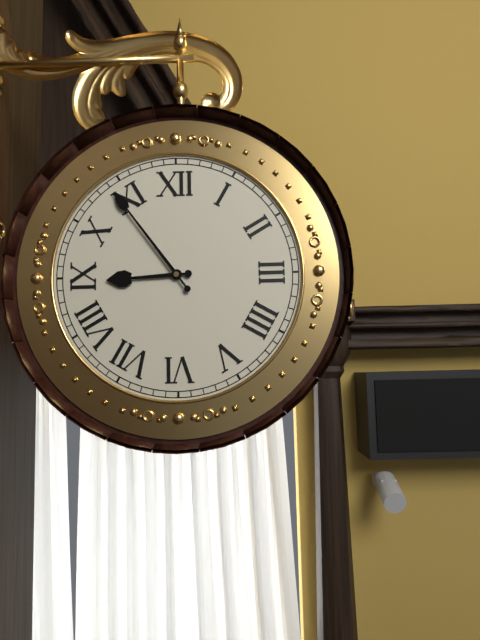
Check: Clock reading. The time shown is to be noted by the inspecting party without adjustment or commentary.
8:54
